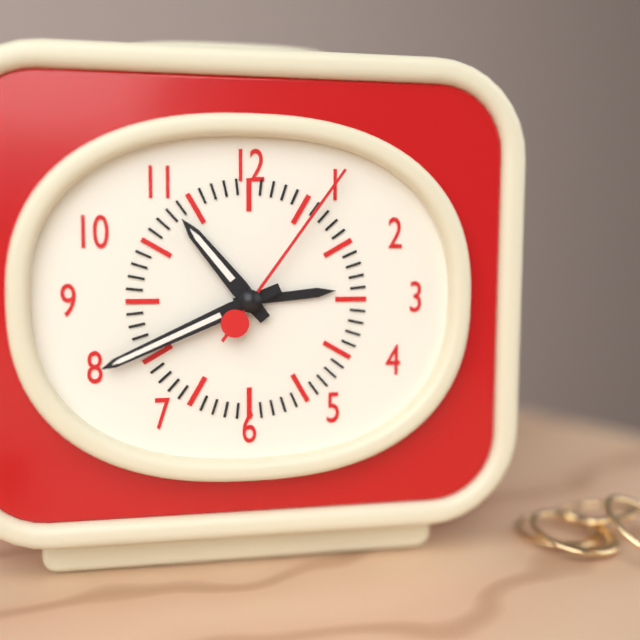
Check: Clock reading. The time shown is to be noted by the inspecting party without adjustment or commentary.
10:41:06
